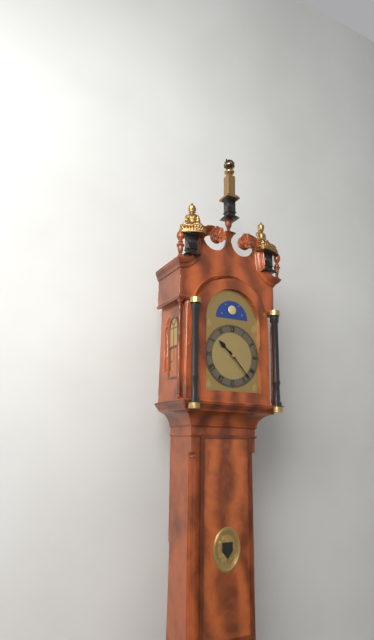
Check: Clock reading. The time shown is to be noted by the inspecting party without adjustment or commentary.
10:23
